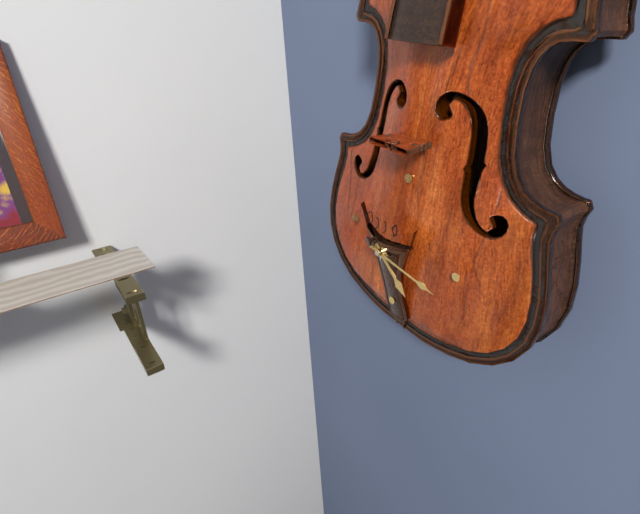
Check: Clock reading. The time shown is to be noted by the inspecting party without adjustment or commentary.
4:16
